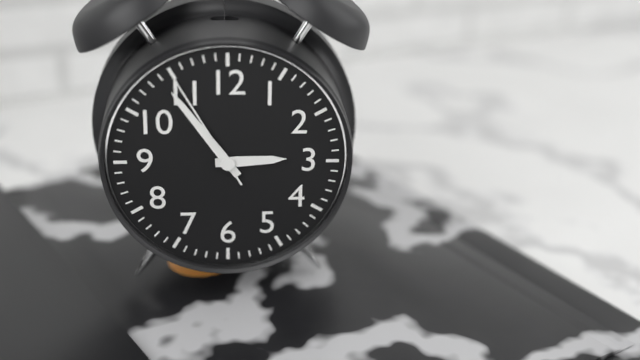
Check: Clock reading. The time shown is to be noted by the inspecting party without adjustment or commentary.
2:54:55
